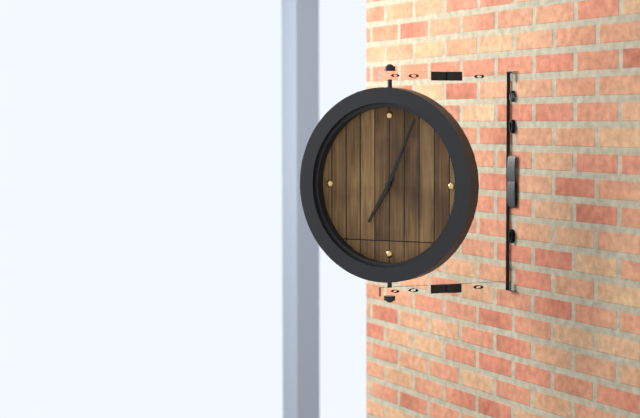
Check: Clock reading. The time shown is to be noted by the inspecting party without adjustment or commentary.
7:04
